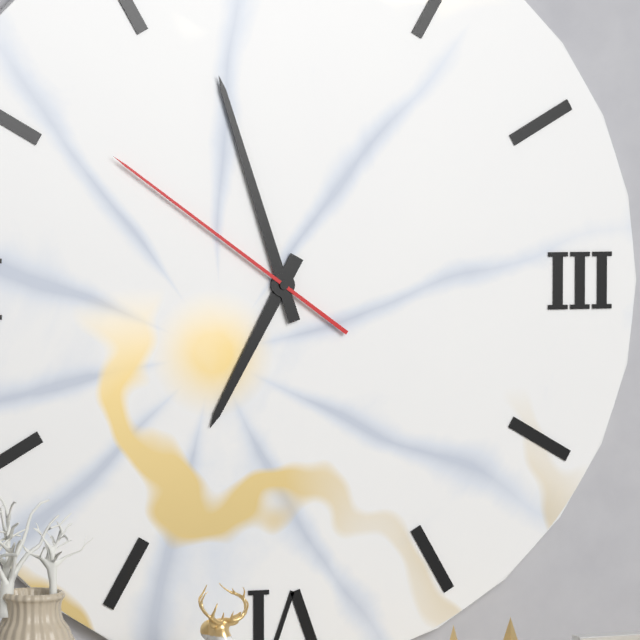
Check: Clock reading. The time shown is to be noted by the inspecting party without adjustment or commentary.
6:57:51
